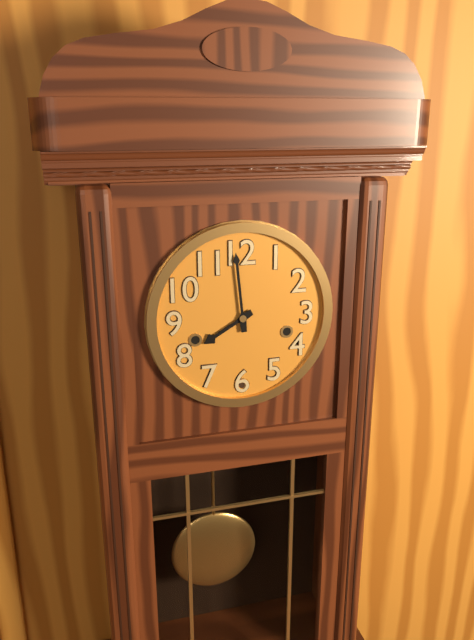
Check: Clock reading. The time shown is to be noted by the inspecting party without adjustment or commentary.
7:59
